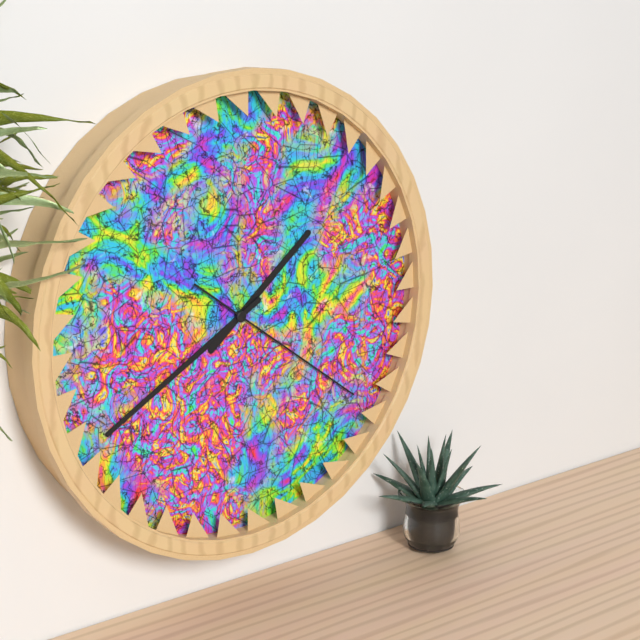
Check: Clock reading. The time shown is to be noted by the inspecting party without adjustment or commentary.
1:40:21
